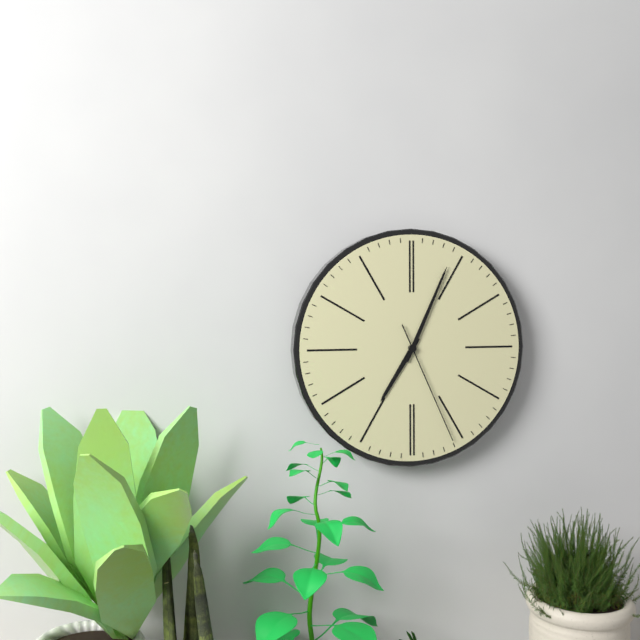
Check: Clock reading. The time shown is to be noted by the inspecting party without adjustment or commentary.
7:04:26
